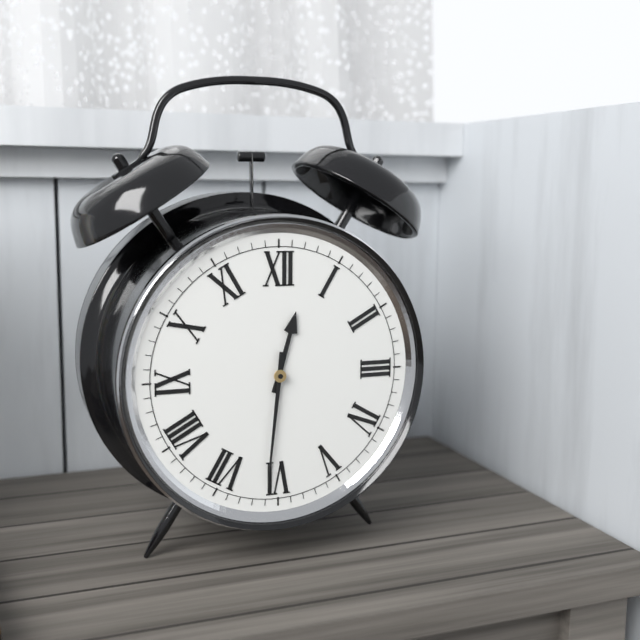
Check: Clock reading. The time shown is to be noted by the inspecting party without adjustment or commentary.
12:31
